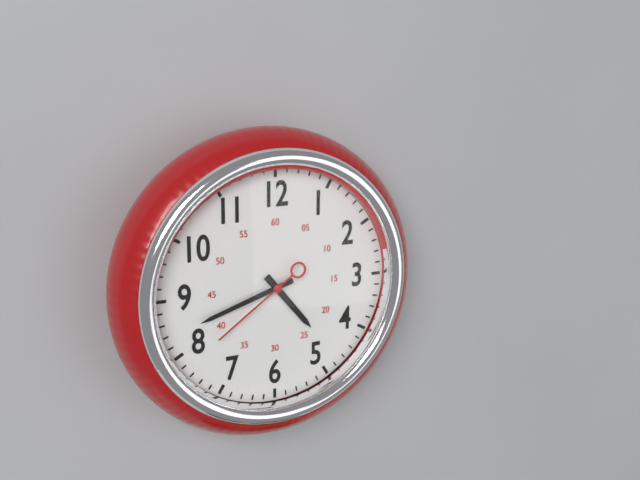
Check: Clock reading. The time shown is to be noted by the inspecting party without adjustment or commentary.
4:42:39
